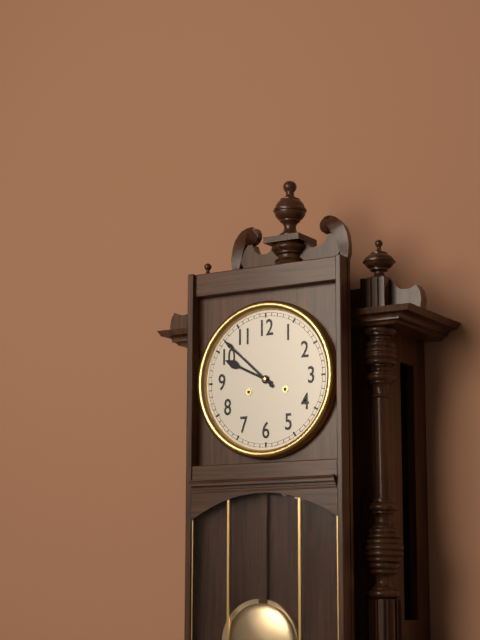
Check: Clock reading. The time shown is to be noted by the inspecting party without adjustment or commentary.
9:52
